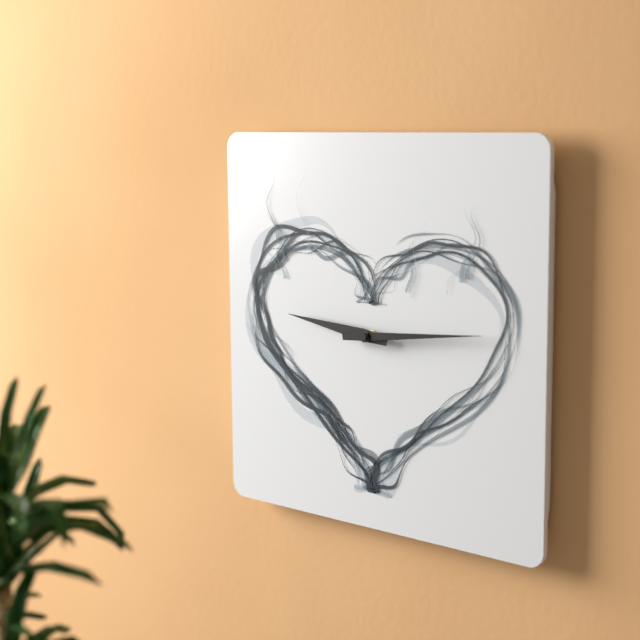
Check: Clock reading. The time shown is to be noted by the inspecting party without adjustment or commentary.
9:14
